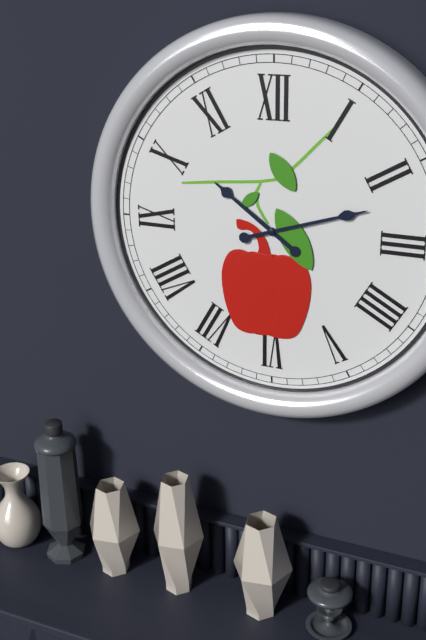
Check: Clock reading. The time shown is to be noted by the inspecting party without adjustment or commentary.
10:12
